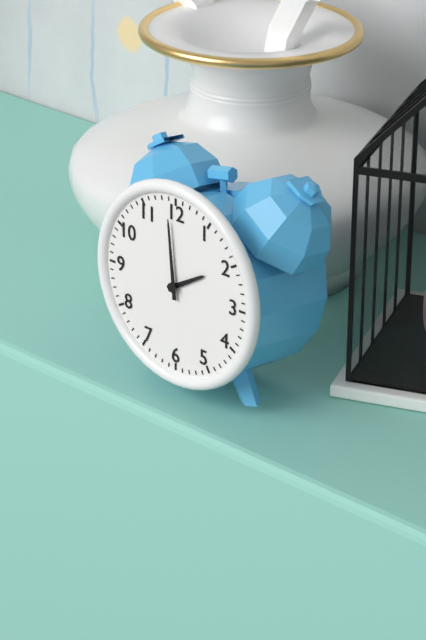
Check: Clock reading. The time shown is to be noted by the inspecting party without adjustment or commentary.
1:59
